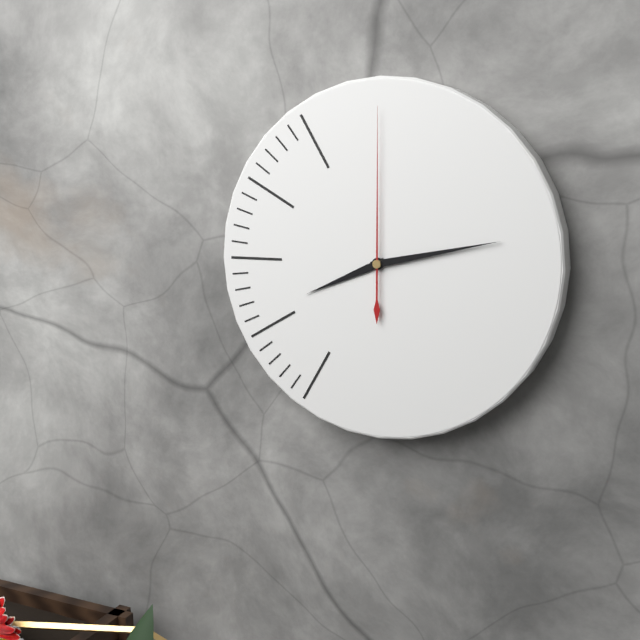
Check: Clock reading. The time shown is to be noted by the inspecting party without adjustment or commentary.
8:13:00
